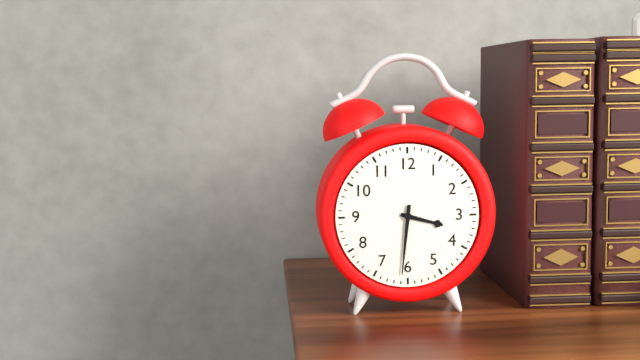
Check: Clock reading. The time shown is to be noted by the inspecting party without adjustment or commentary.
3:31
